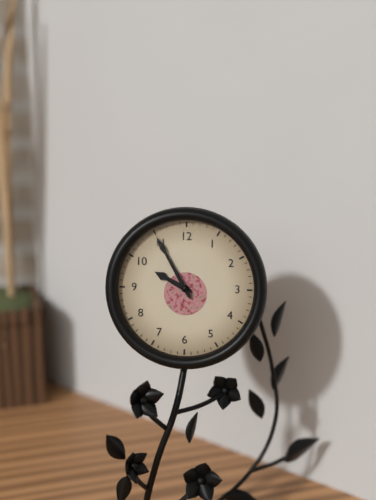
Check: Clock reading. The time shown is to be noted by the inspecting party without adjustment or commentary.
9:55
